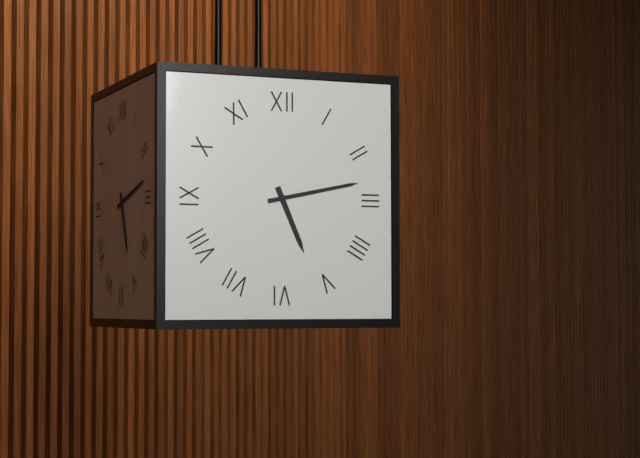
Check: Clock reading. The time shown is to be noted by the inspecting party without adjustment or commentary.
5:13
